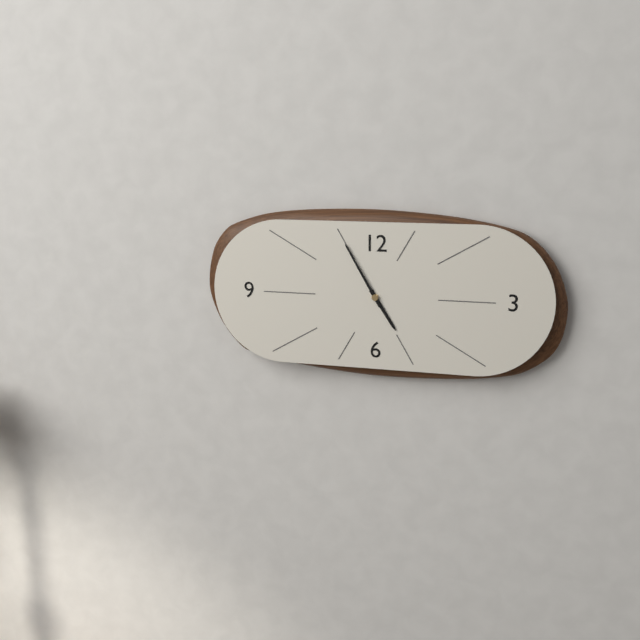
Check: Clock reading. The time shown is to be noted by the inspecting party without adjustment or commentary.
4:55
